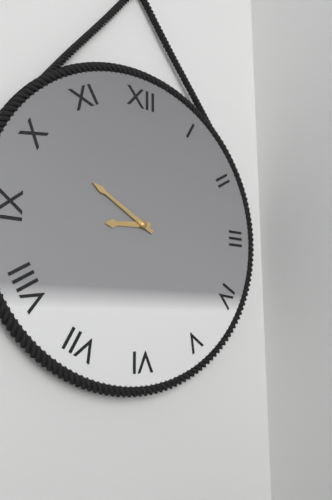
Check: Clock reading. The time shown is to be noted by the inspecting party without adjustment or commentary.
8:50
